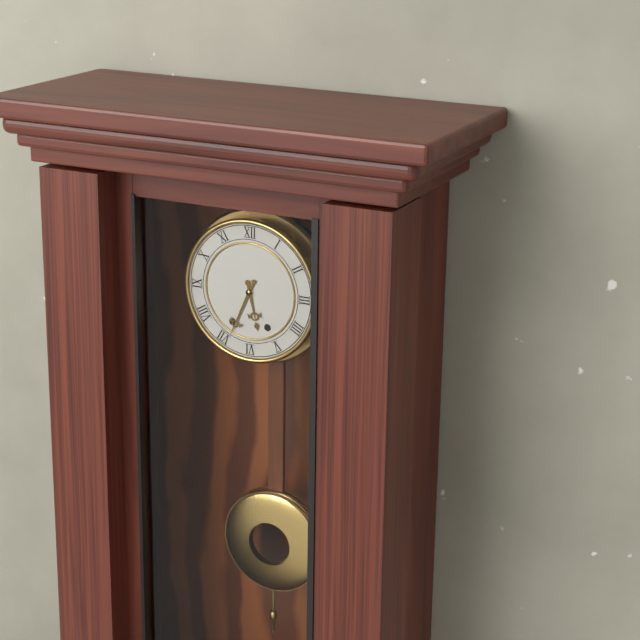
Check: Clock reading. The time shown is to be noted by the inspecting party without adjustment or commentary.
5:34
